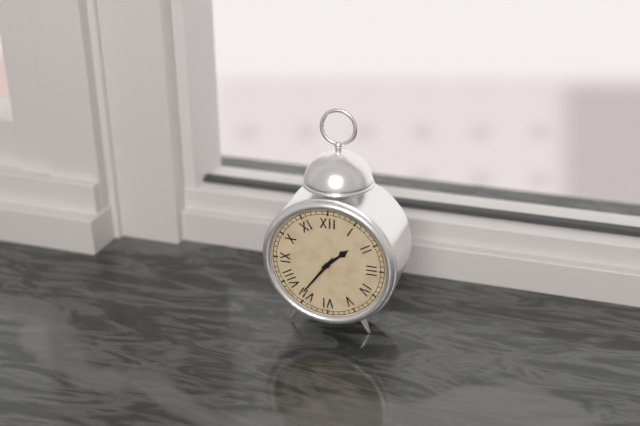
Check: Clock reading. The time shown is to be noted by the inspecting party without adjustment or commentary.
1:36
